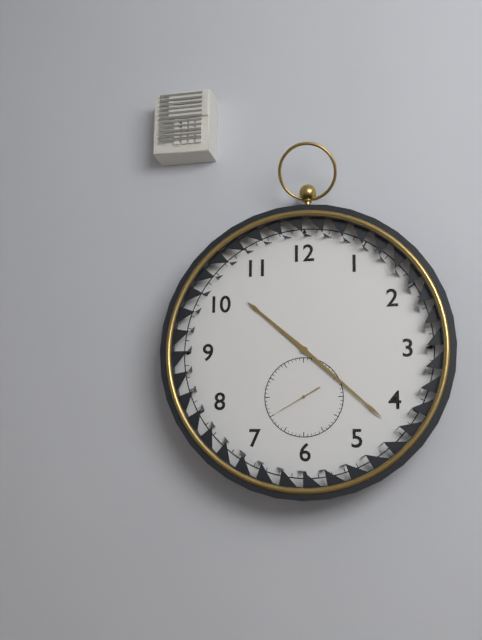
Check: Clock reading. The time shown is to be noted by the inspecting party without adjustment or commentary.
10:22
